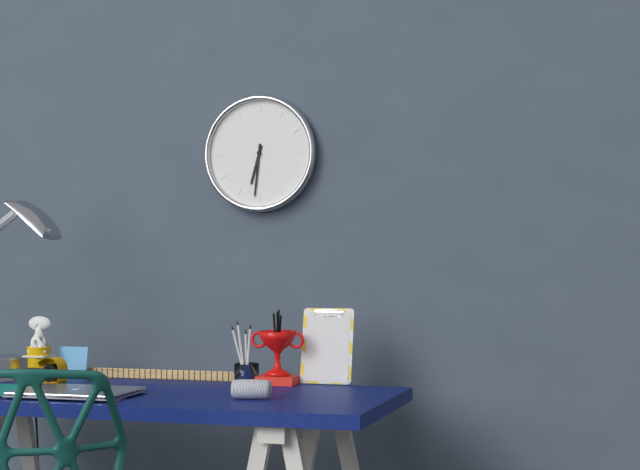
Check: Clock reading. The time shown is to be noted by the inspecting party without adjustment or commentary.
6:31
